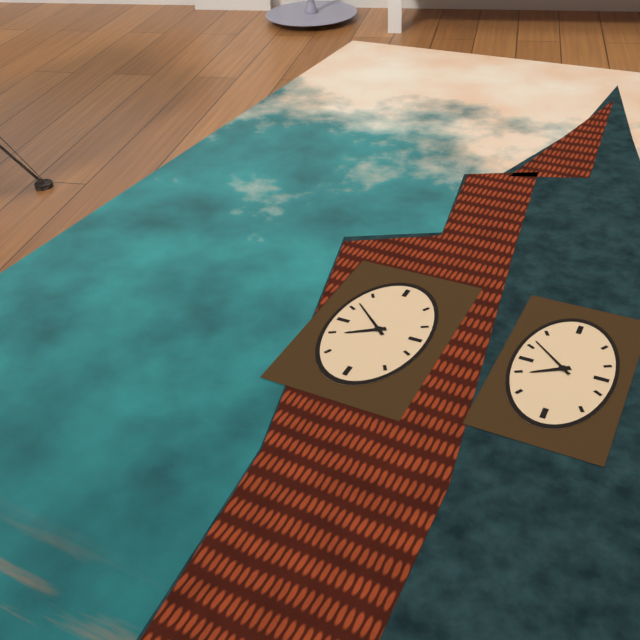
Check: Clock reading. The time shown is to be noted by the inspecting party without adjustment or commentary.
7:52
